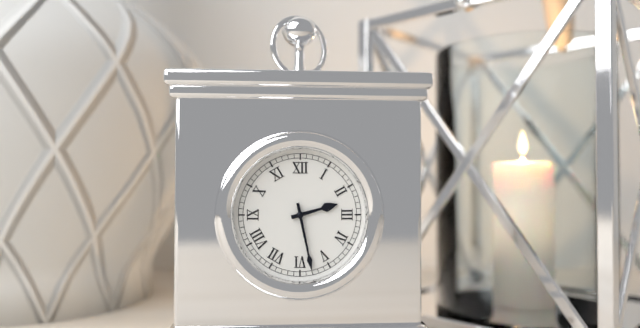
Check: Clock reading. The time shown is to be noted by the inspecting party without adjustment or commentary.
2:28
